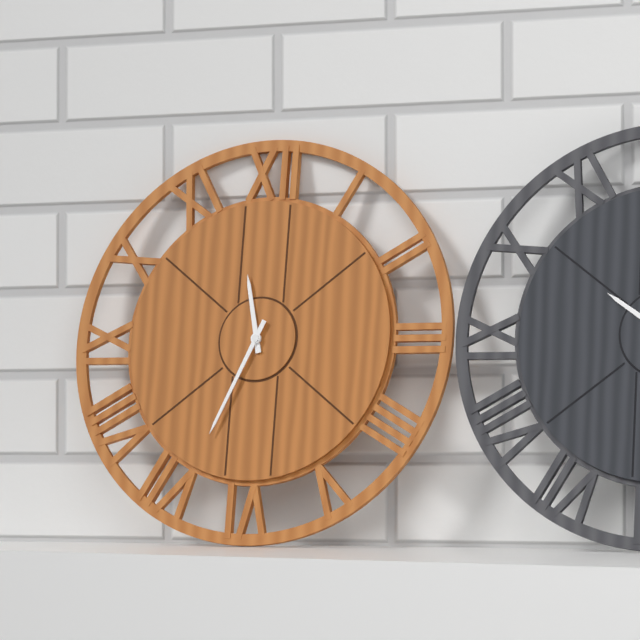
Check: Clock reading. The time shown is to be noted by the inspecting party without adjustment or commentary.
11:34
